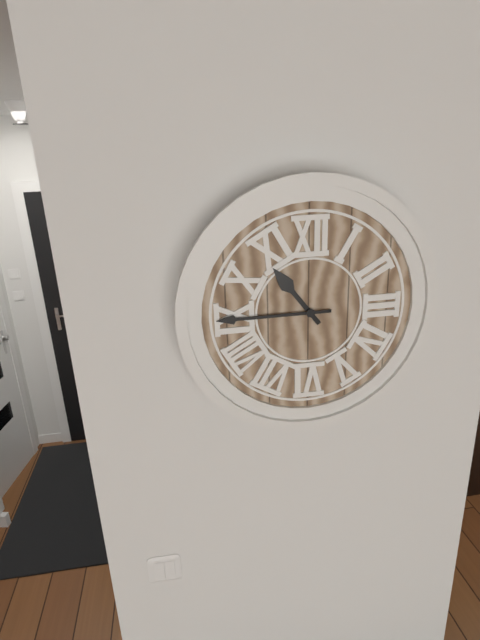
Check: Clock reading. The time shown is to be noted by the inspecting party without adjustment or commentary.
10:45
